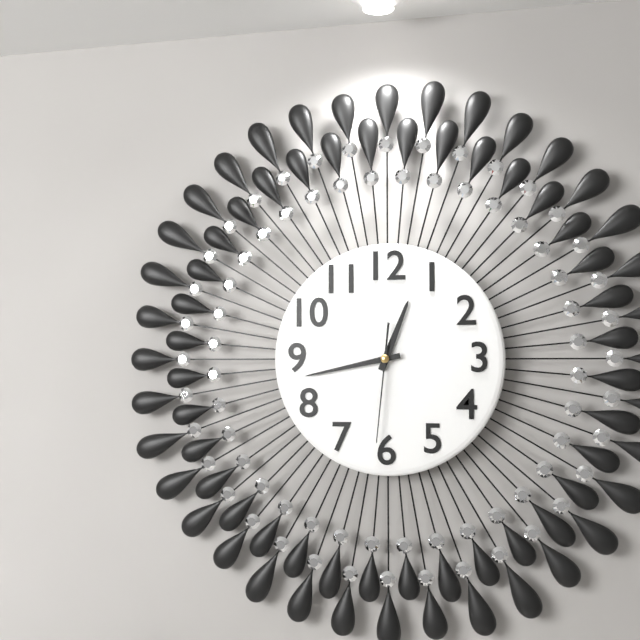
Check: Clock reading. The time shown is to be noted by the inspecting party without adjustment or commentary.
12:43:31
